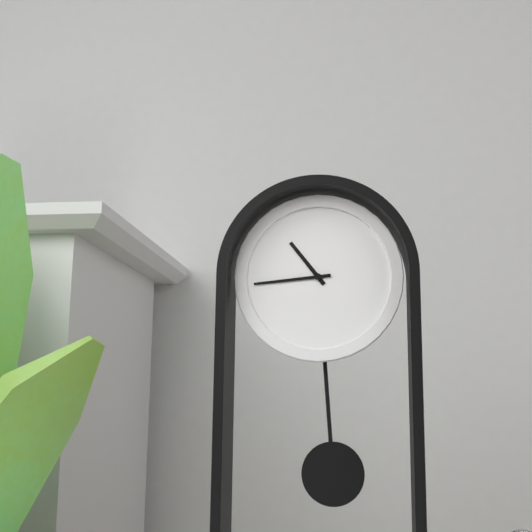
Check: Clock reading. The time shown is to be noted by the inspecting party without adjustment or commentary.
10:44
